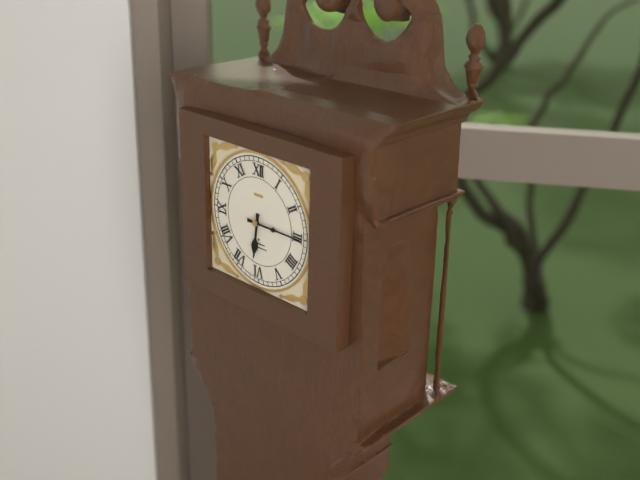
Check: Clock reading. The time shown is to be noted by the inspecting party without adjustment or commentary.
6:15
